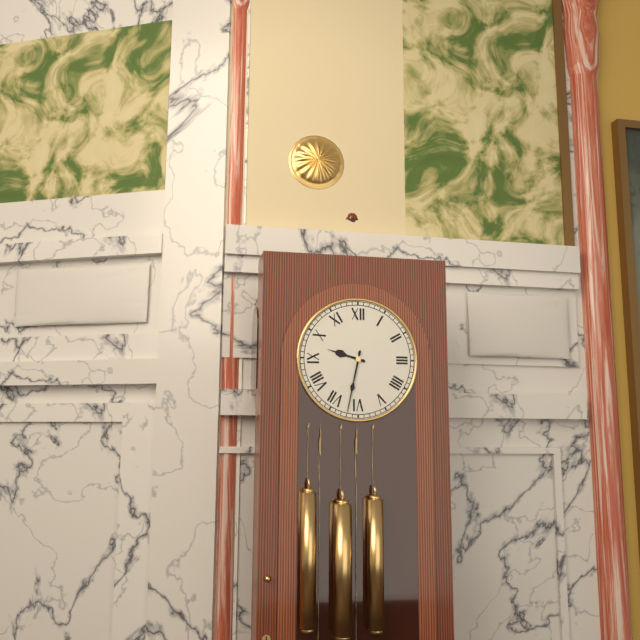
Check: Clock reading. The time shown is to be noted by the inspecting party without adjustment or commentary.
9:32
